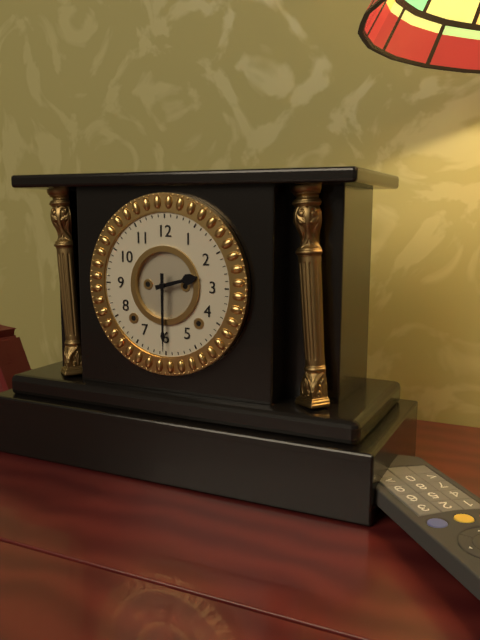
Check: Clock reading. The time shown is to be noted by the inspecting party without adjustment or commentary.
2:30
